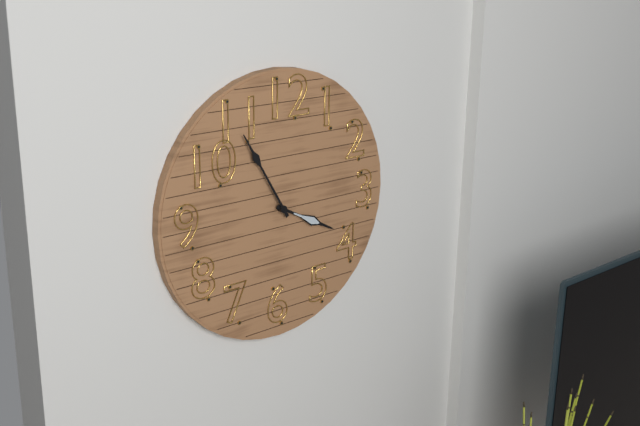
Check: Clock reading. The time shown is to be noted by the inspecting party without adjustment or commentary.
3:55
